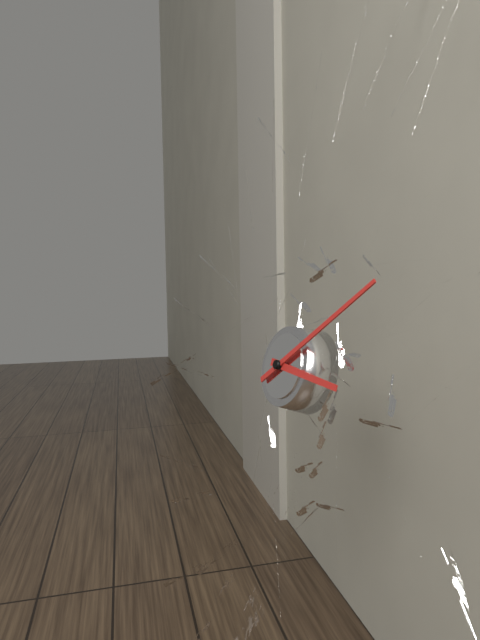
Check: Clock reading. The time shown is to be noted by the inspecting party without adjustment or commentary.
3:09
